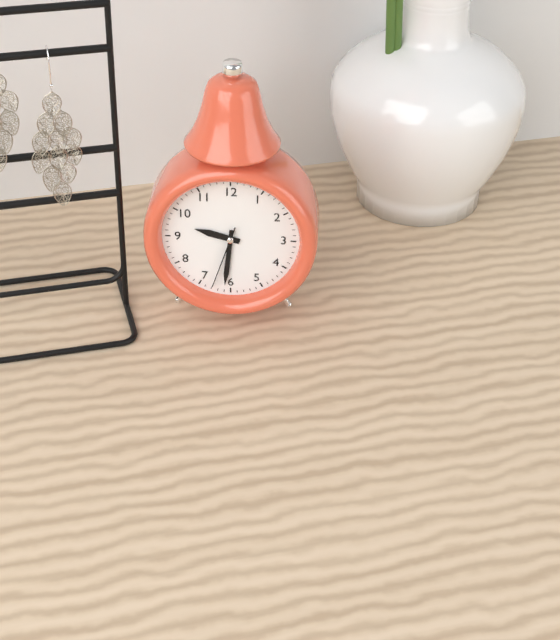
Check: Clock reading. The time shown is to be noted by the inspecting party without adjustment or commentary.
9:31:33
